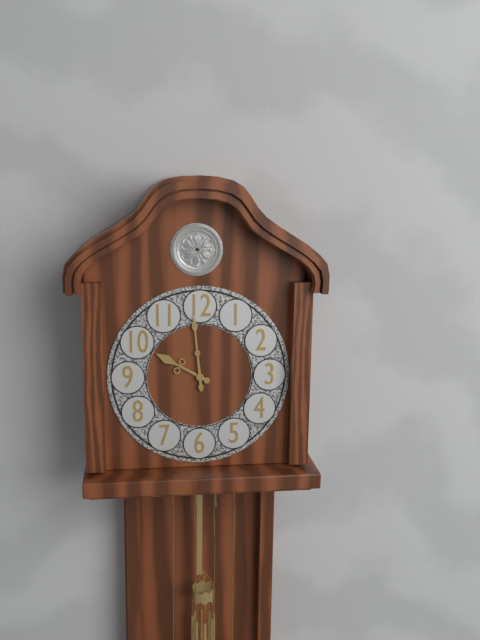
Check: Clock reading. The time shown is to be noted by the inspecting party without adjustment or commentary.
9:59
